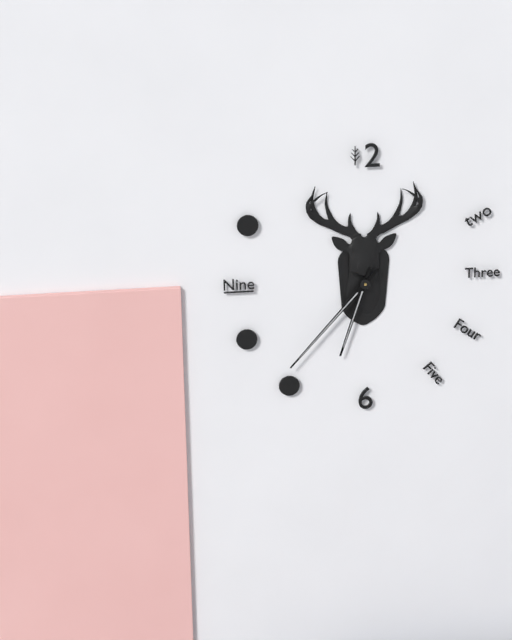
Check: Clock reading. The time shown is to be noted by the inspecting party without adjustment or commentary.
6:37
